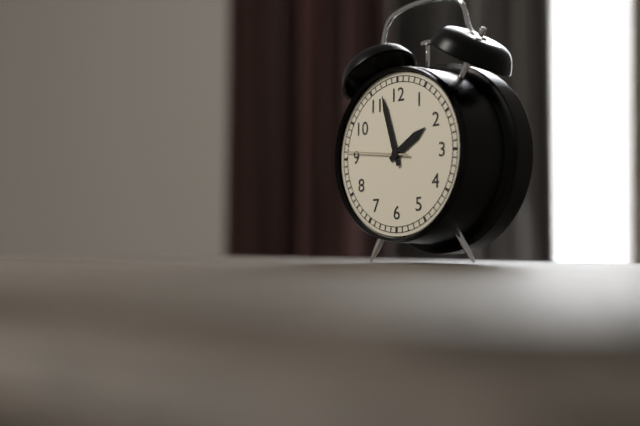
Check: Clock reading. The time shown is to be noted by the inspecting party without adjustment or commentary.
1:57:46
